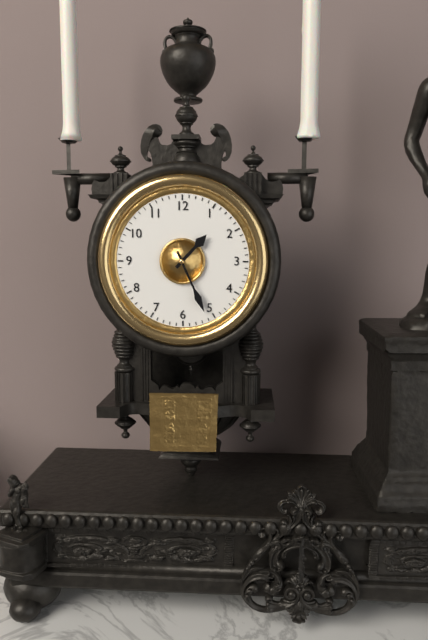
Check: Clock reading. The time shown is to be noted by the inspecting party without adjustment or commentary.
1:26
